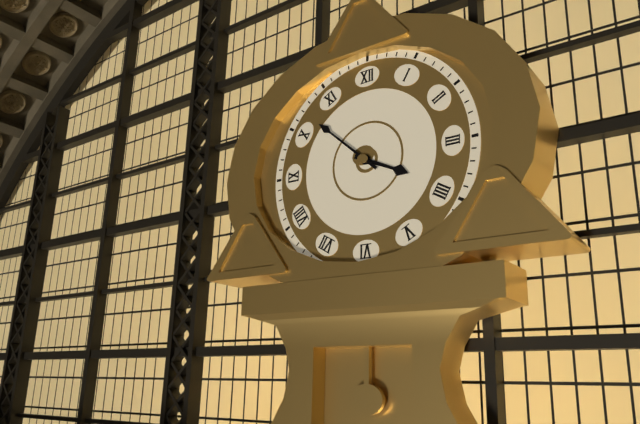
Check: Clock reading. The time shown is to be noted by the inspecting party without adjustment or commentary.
3:52
